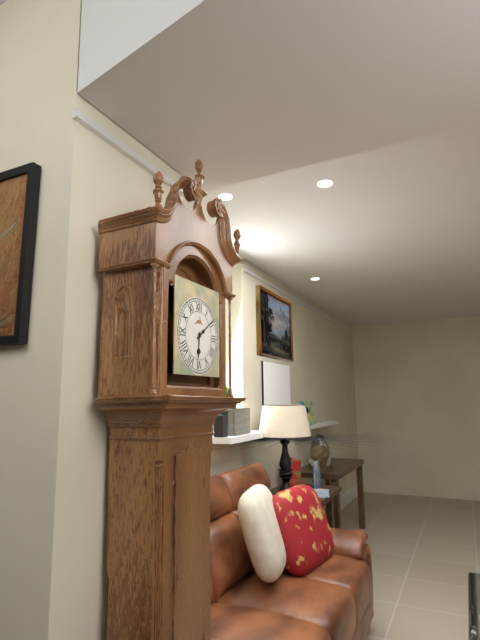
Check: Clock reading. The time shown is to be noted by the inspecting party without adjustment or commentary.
6:09
